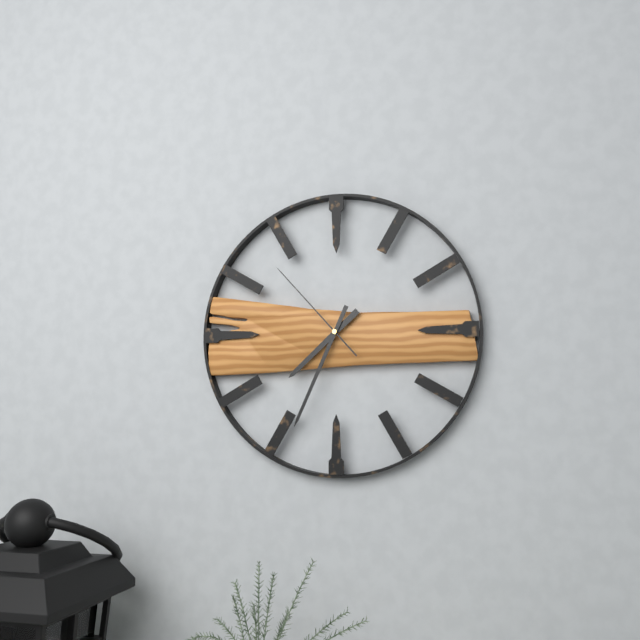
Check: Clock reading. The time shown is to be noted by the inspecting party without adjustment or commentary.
7:34:53
